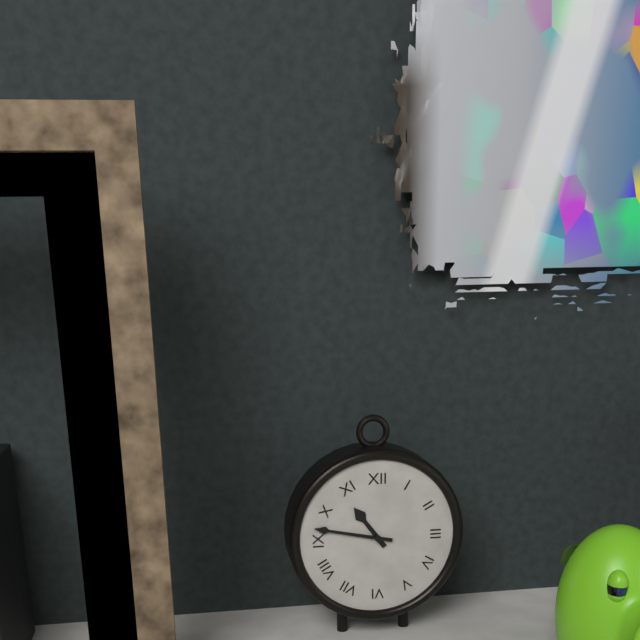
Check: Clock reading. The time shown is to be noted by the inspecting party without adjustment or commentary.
10:47
